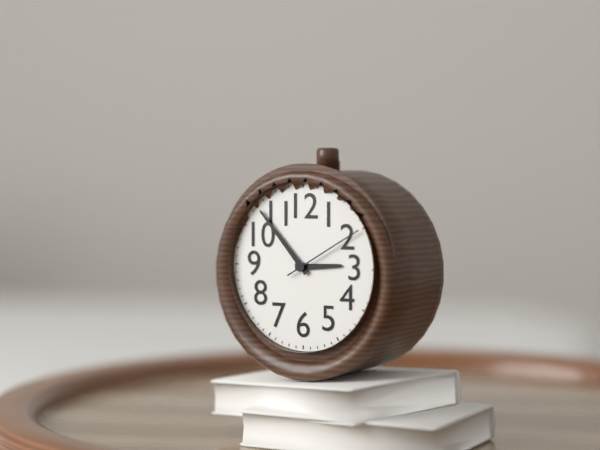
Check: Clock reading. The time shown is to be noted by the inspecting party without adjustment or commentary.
2:53:10
